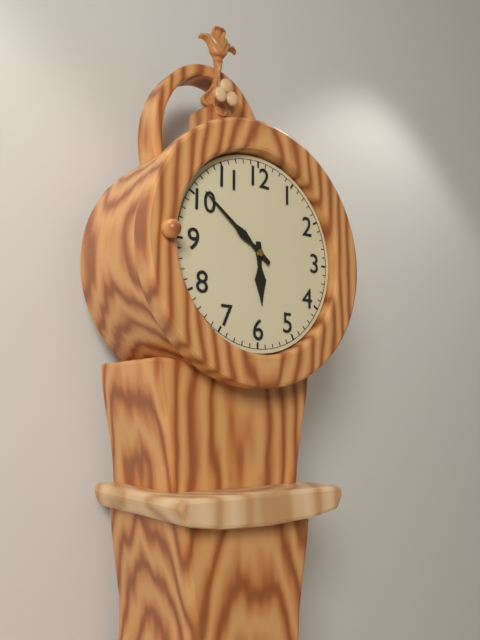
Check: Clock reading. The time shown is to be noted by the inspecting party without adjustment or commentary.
5:51
